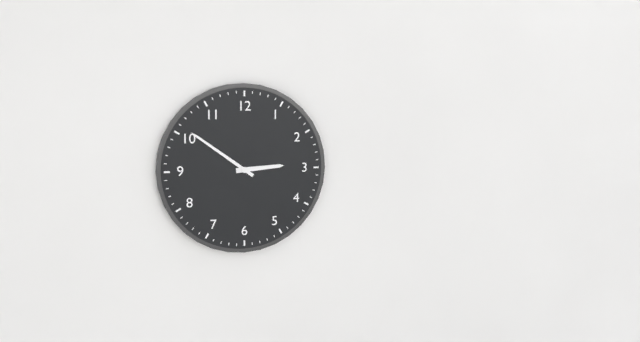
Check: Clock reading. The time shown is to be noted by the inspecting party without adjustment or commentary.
2:51
